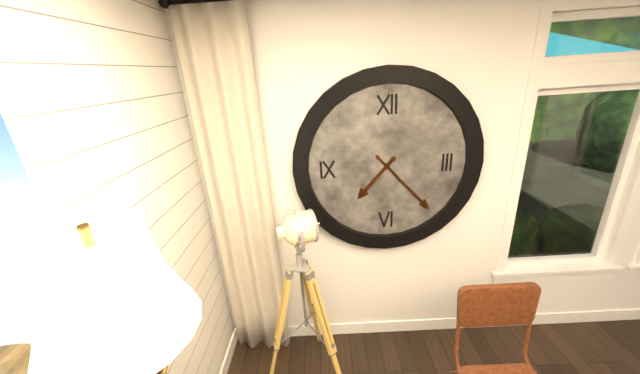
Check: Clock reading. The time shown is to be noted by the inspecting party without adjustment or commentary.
7:23
